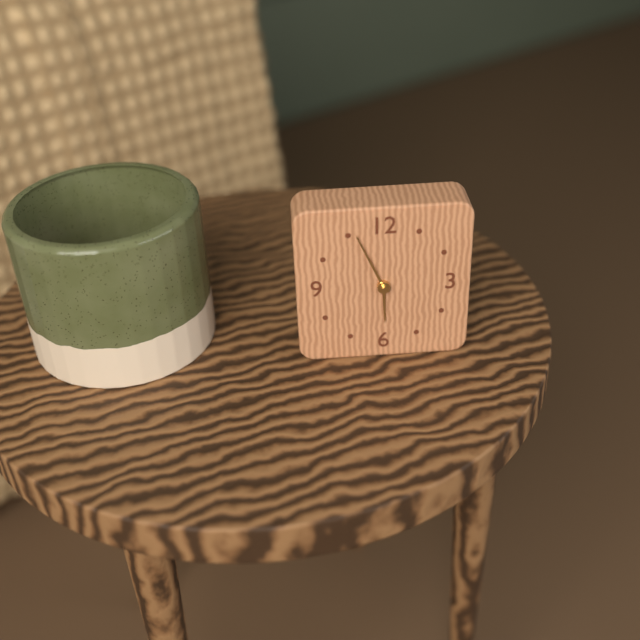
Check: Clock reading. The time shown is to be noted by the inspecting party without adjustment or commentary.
5:56
